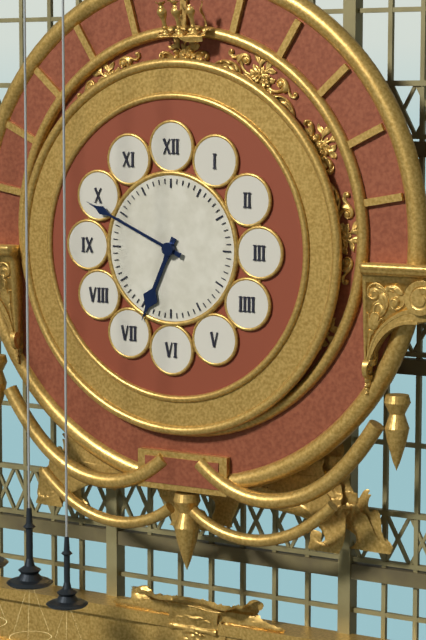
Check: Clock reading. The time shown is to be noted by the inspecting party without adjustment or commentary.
6:49
